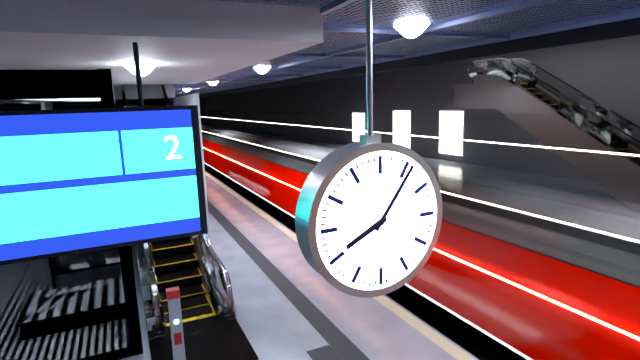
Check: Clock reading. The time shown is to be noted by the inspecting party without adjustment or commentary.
8:06
